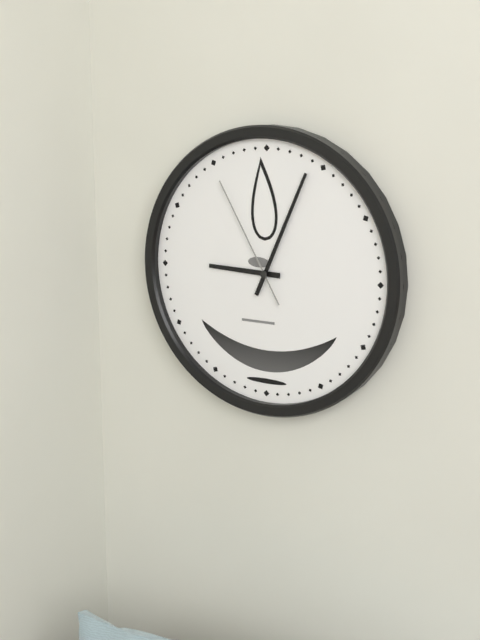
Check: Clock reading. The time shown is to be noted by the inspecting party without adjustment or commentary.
9:04:55
